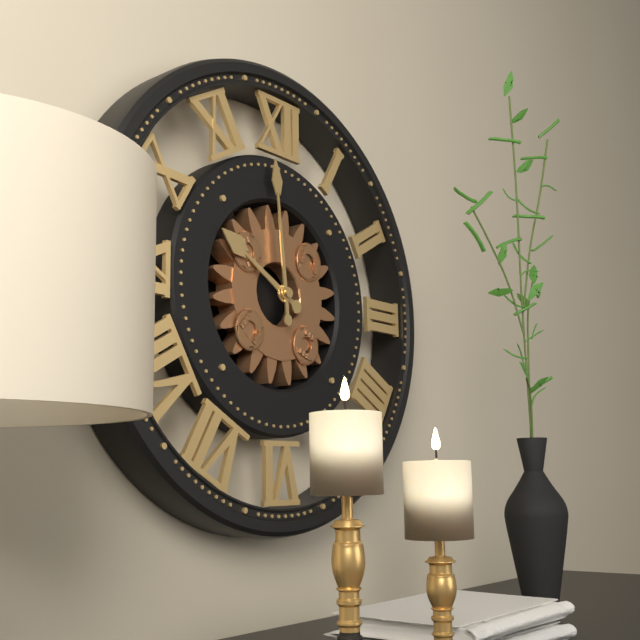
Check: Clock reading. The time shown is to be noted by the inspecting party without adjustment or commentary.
9:59
